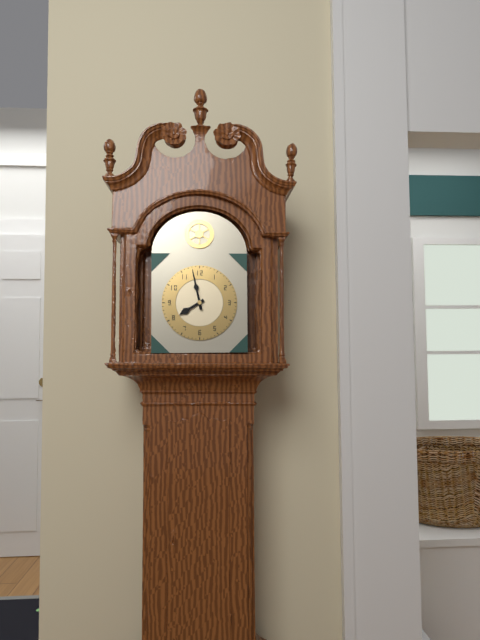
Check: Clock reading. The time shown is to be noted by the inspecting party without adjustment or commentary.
7:58
